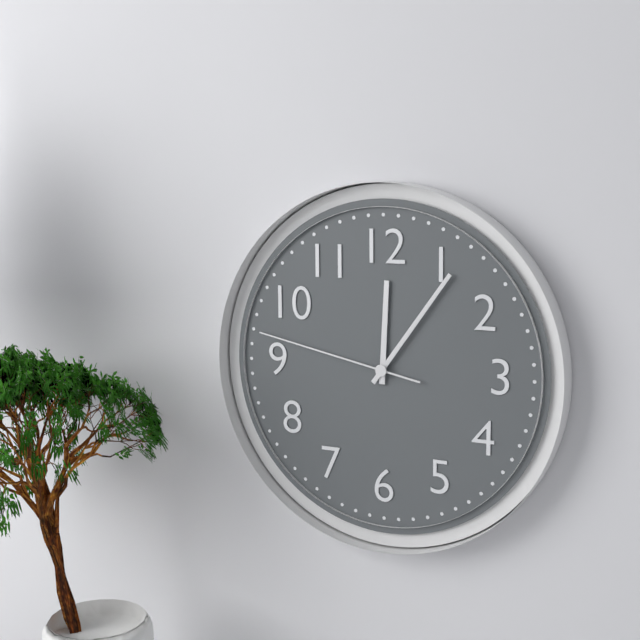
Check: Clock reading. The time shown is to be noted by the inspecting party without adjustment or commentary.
12:06:47
